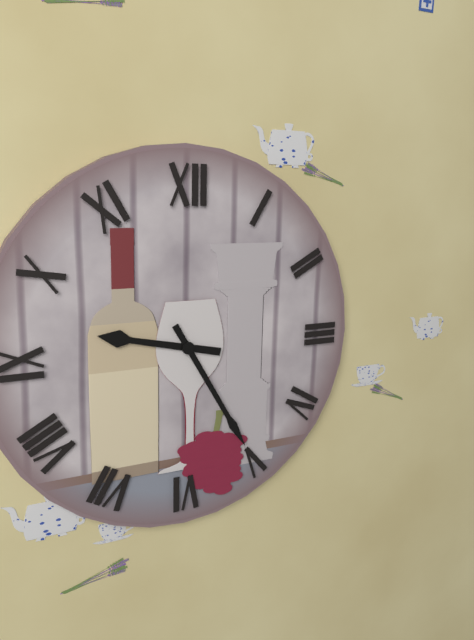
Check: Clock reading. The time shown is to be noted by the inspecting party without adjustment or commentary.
9:25
